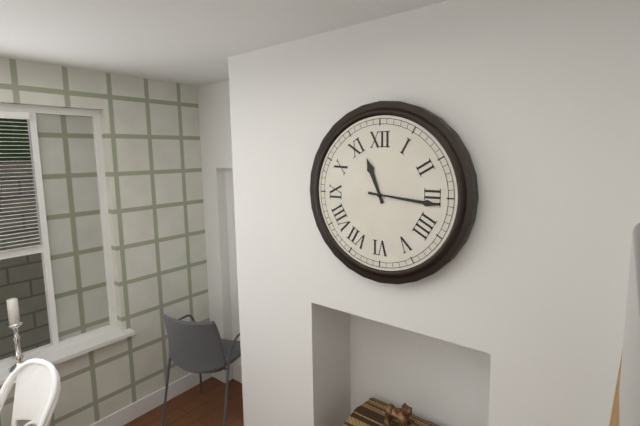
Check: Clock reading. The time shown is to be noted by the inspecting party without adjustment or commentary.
11:16
